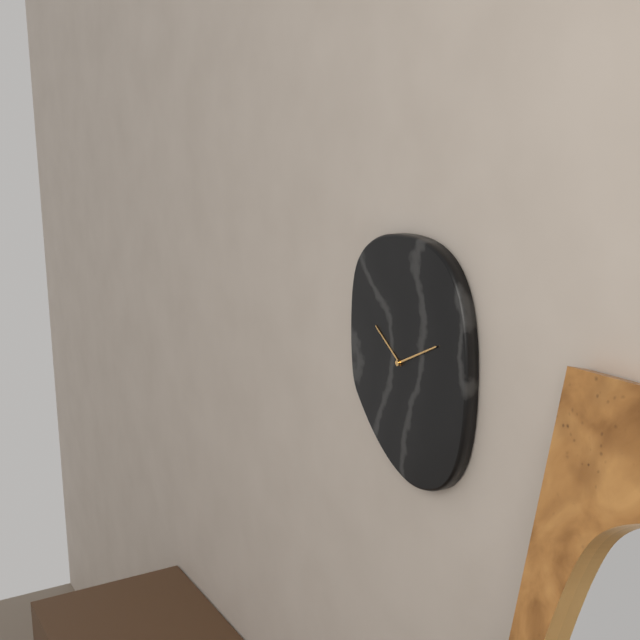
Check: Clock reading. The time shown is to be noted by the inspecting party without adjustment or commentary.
10:11
